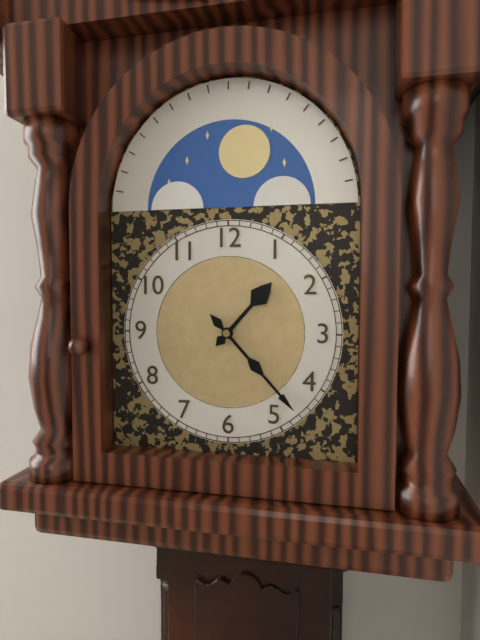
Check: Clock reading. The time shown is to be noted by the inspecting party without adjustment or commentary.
1:23
